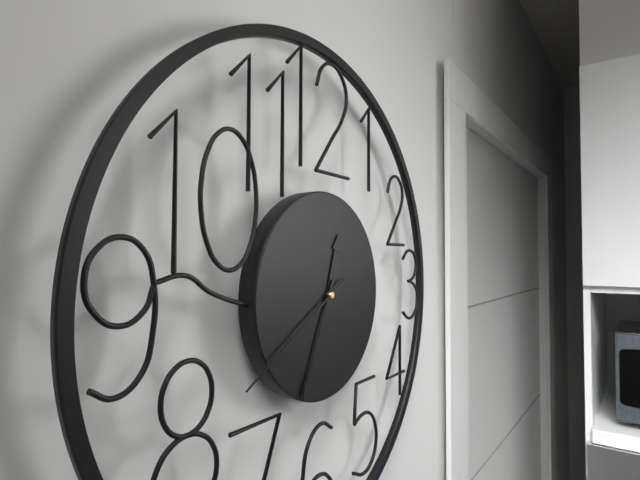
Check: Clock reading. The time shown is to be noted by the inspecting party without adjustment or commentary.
12:34:40
